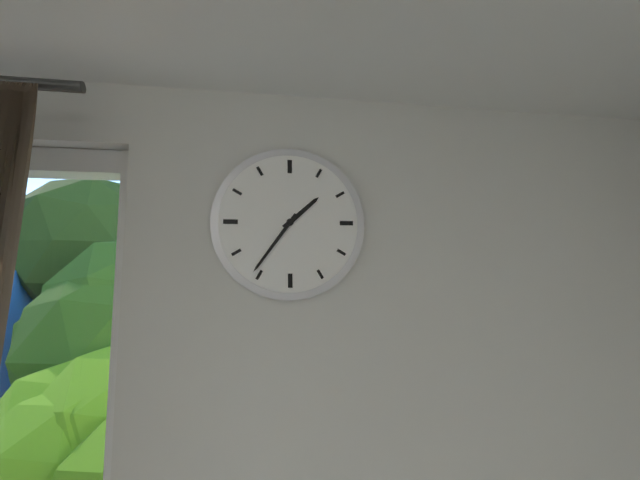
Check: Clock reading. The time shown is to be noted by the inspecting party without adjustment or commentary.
1:36
